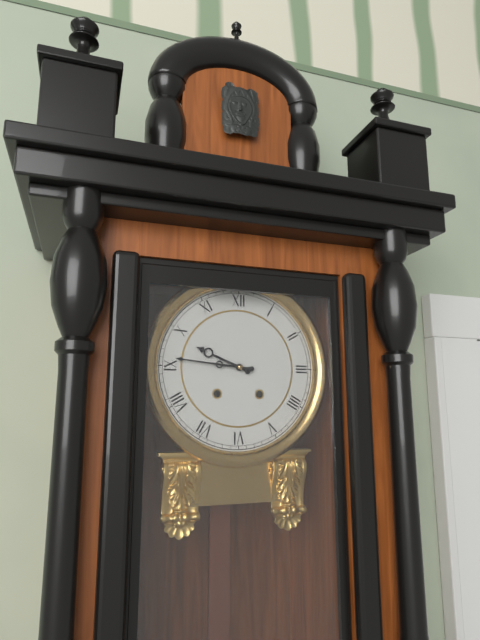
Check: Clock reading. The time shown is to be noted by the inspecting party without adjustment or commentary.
9:46
